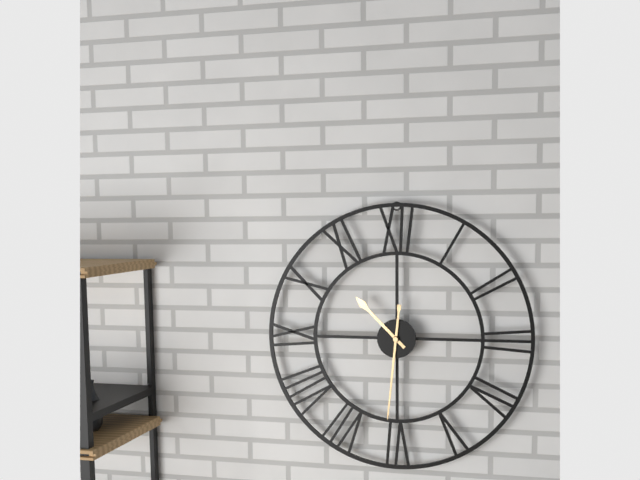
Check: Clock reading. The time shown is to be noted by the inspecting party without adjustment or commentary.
10:31
